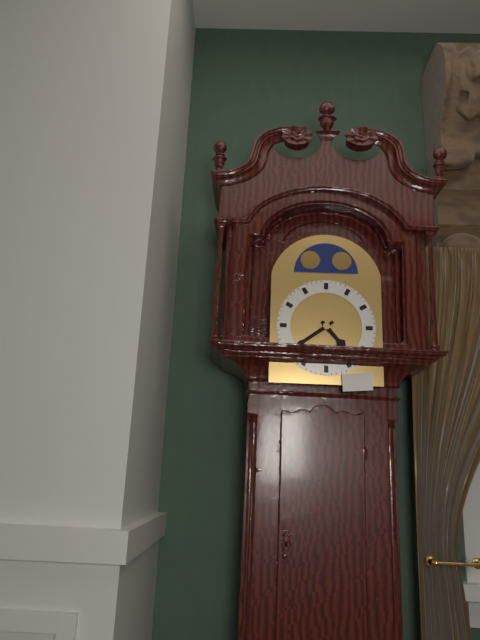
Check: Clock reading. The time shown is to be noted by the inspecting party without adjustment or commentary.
4:39
